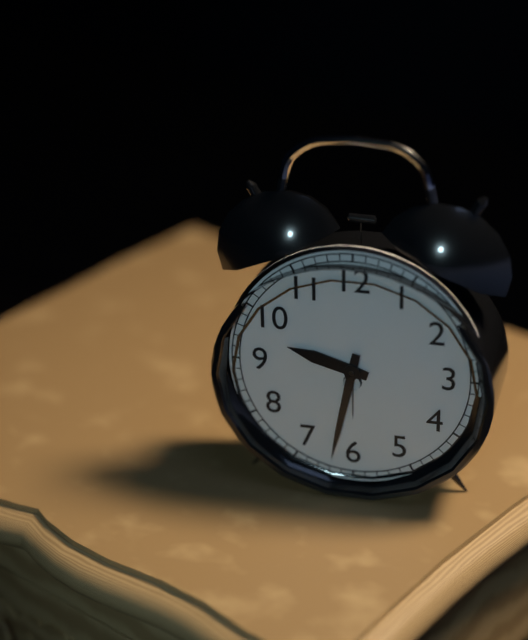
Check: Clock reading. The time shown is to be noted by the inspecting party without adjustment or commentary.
9:32
